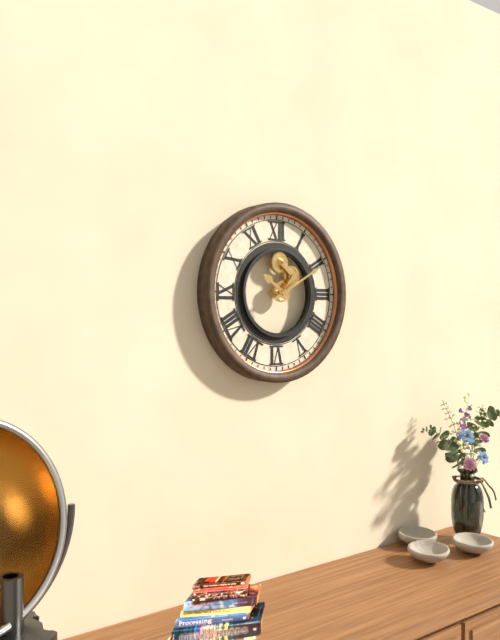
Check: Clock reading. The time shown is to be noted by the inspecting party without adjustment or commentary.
10:10
